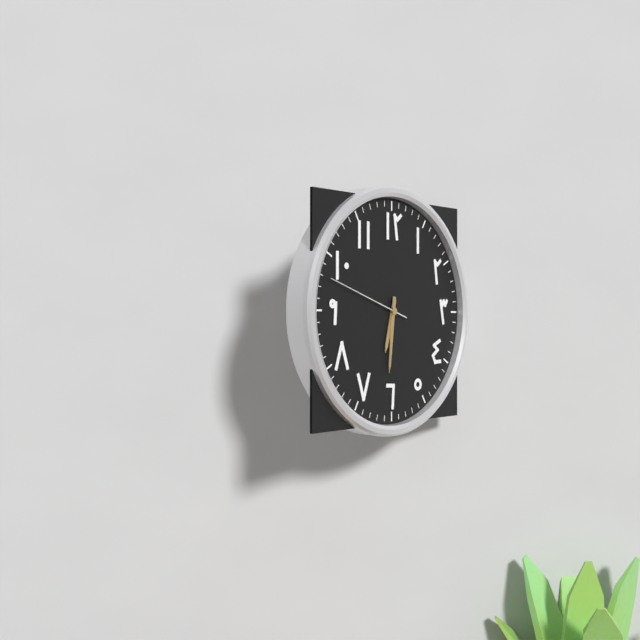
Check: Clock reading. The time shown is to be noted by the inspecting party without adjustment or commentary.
6:31:48
